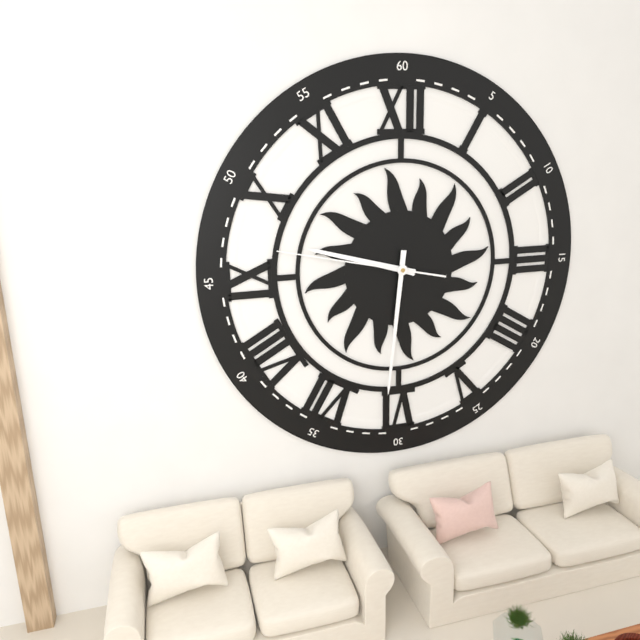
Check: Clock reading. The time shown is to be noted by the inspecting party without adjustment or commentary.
9:31:47
